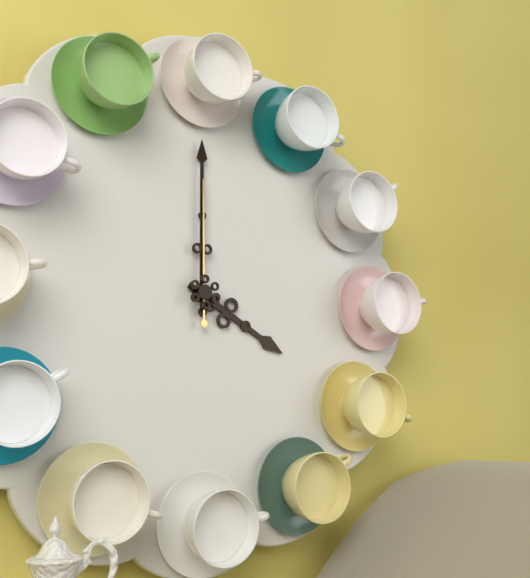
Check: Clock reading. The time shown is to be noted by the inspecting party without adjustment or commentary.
4:00:00
